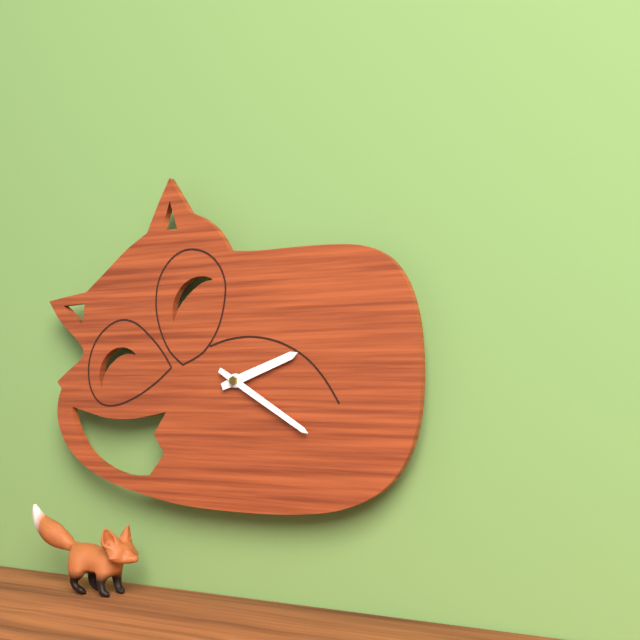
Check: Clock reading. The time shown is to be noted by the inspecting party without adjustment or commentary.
2:20
